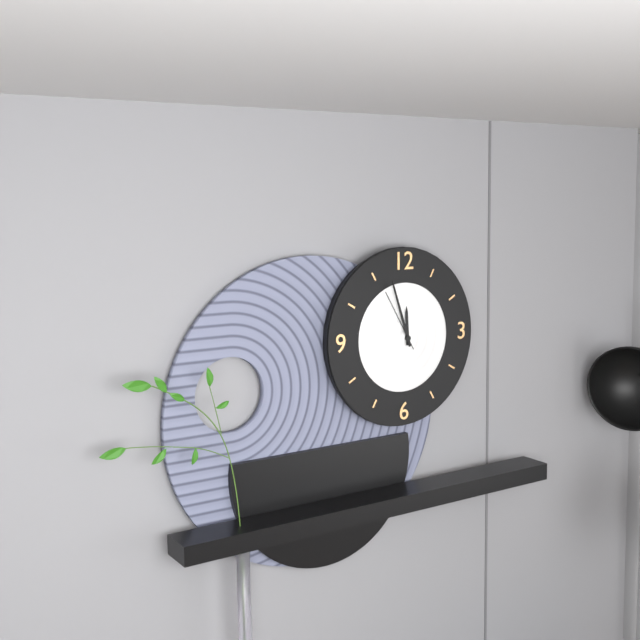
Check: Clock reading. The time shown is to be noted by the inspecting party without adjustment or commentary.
11:57:55
